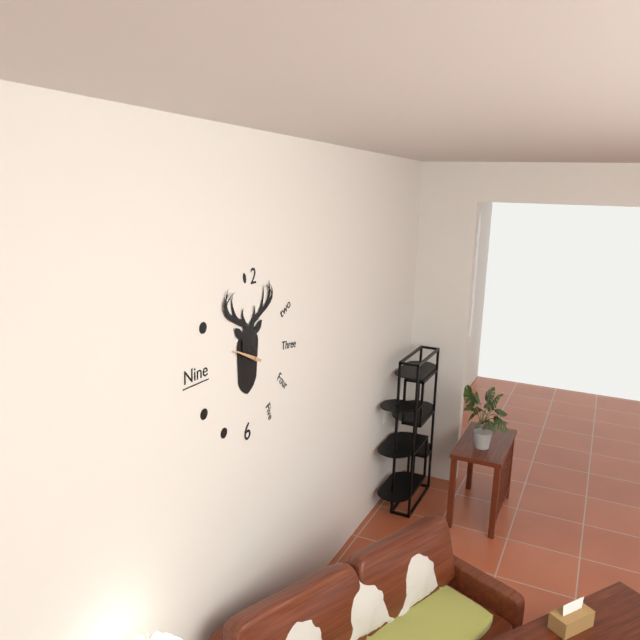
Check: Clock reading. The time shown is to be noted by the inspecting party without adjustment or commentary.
9:49
